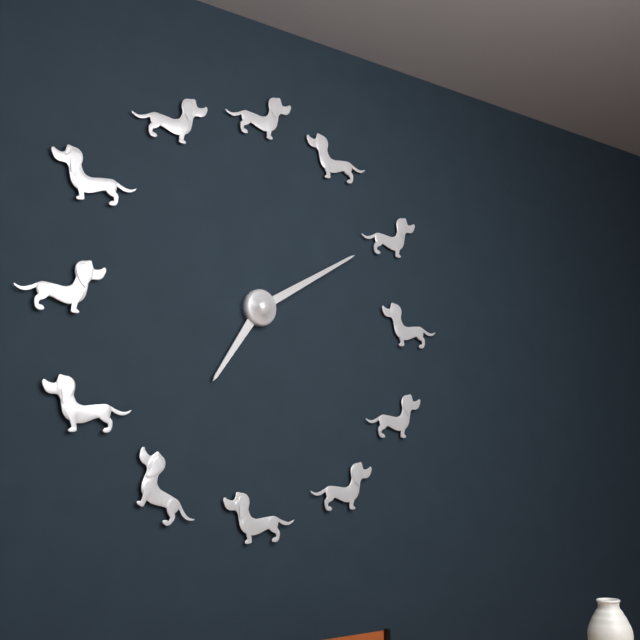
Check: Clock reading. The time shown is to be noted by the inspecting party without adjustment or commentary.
7:10
